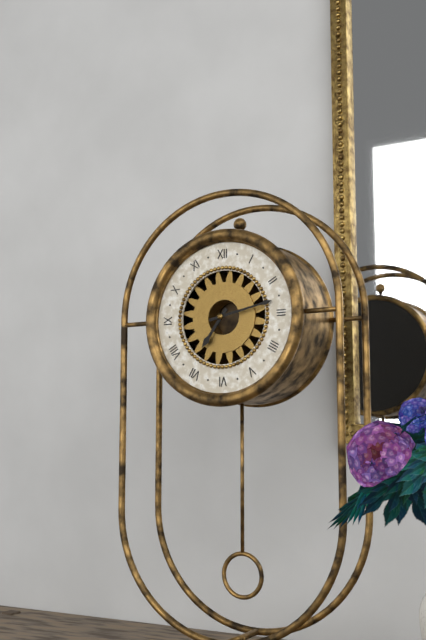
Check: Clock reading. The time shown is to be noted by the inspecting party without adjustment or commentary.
7:13
